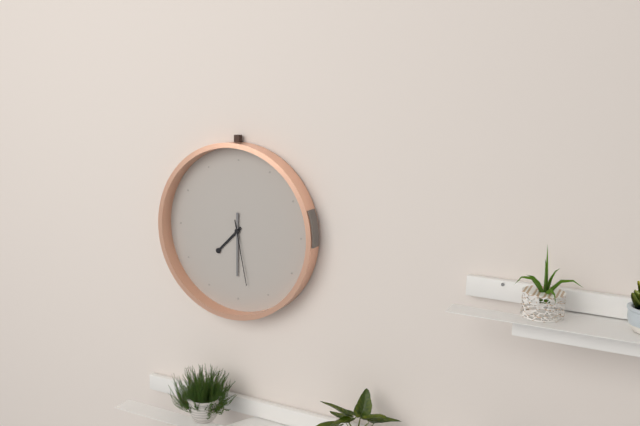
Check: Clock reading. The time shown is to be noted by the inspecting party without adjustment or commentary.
7:30:28
